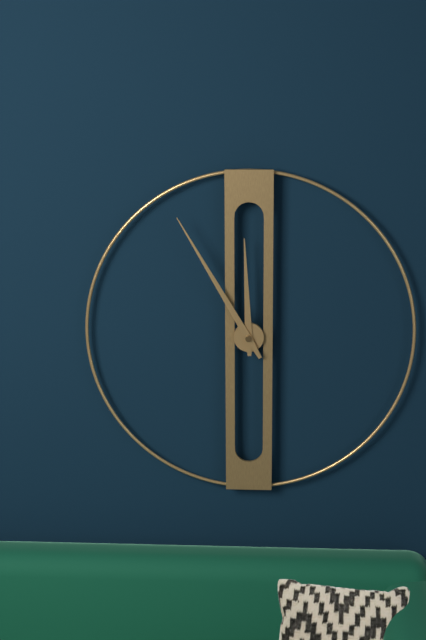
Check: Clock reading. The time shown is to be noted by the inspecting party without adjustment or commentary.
11:55
